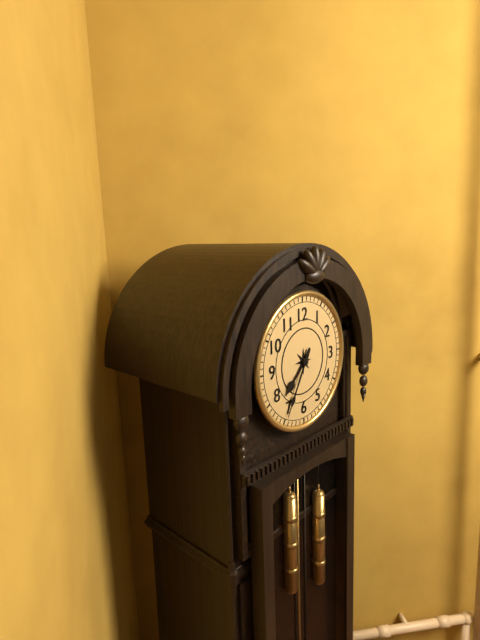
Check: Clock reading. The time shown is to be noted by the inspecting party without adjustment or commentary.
7:35
